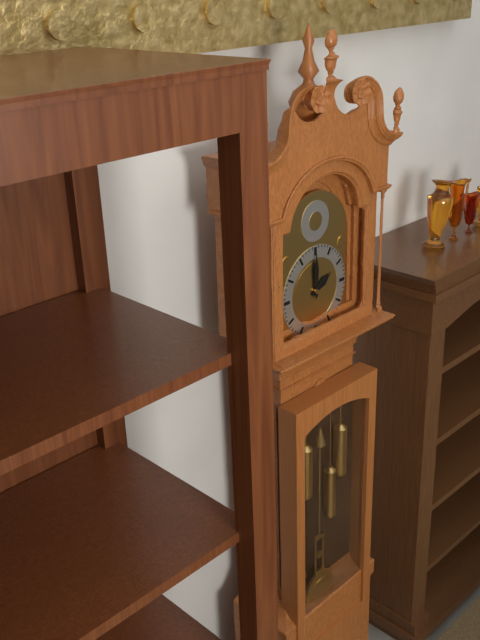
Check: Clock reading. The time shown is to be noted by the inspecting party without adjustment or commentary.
2:00
